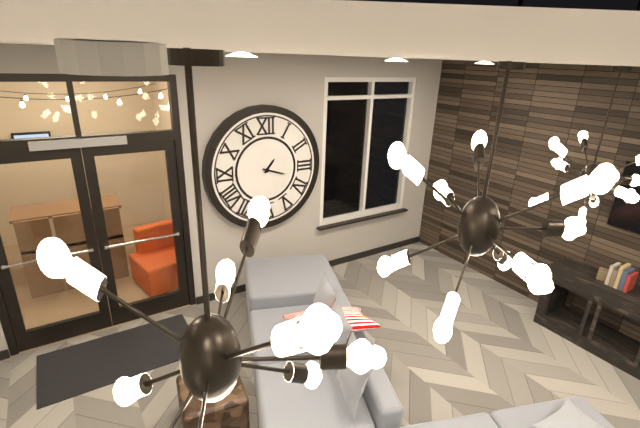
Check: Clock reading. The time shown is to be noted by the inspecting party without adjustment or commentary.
1:18
